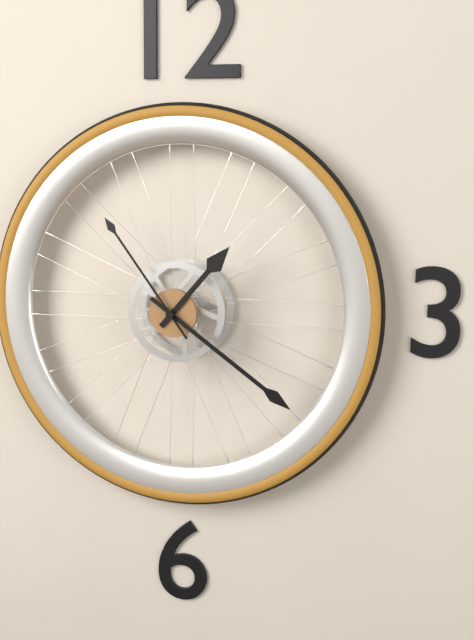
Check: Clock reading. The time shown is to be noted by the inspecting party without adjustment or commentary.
1:21:54
